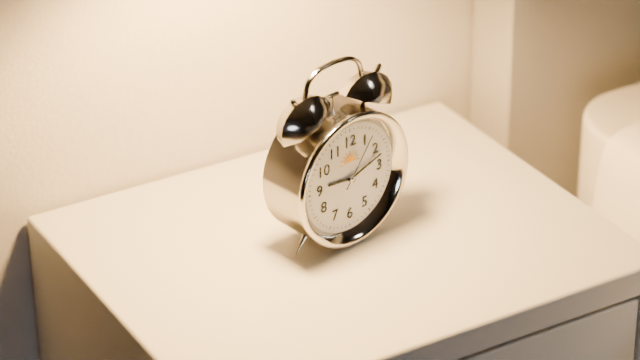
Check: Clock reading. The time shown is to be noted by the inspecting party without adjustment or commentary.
9:12:06
